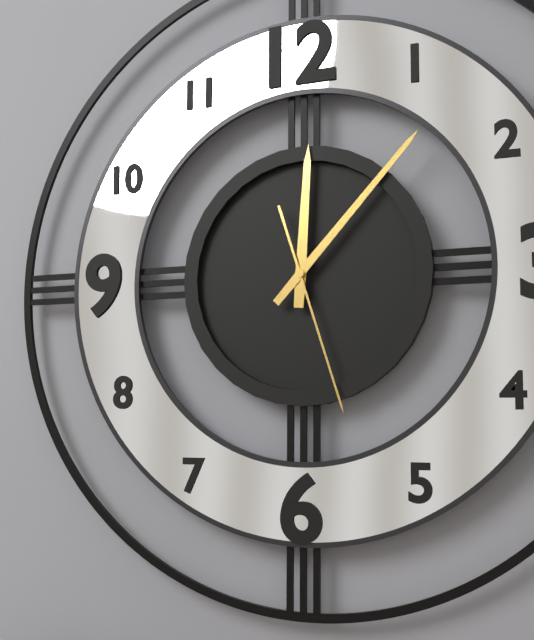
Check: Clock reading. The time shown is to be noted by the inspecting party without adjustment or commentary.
12:07:27
